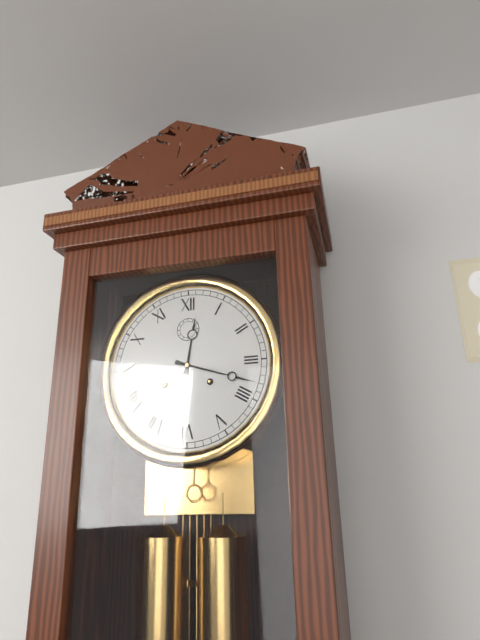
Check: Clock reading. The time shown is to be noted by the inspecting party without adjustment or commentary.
12:18
